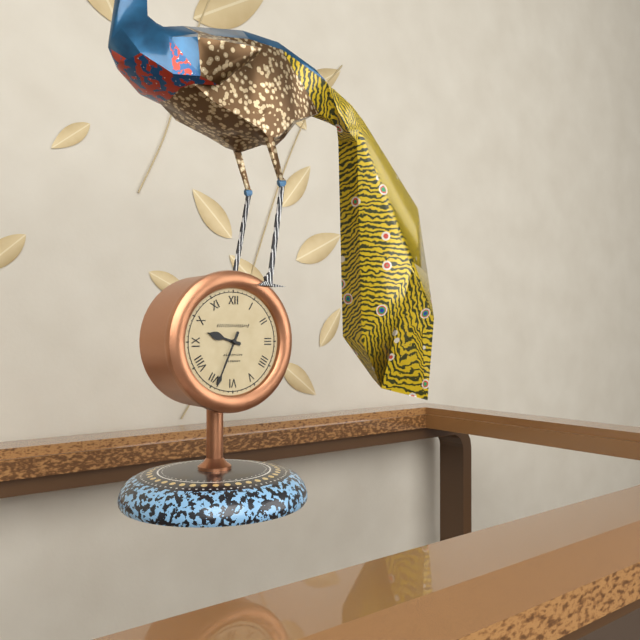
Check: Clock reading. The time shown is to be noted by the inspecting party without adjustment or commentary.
9:34
